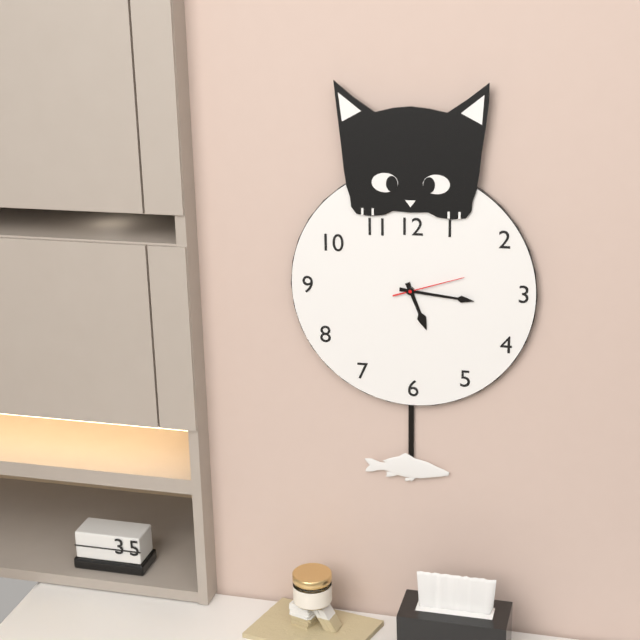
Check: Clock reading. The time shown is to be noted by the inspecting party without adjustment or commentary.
5:16:12
